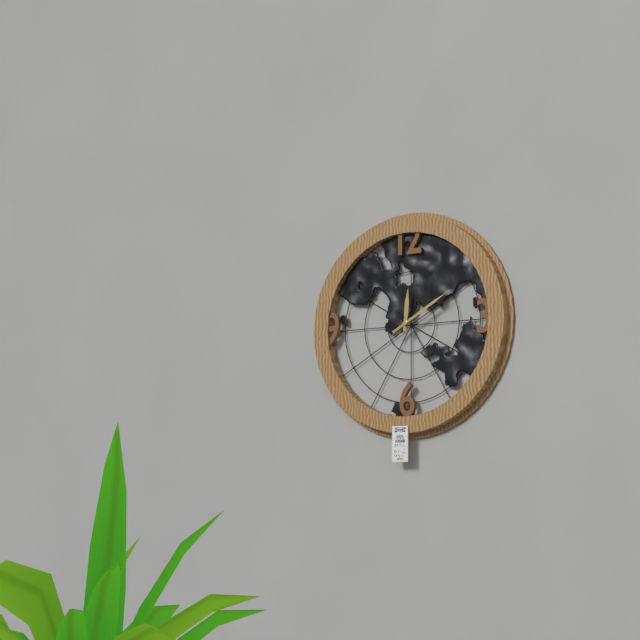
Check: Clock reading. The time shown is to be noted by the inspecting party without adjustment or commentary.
12:10
